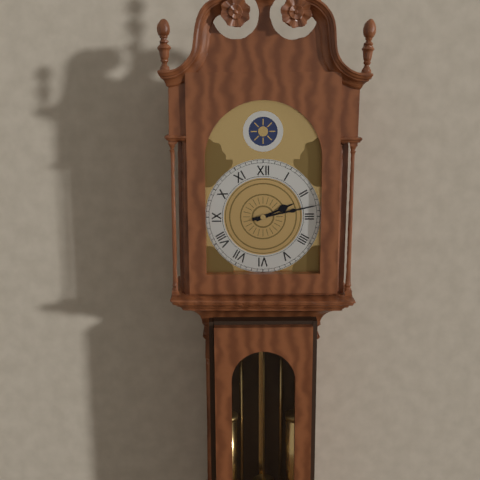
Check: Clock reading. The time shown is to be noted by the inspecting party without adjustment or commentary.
2:13
